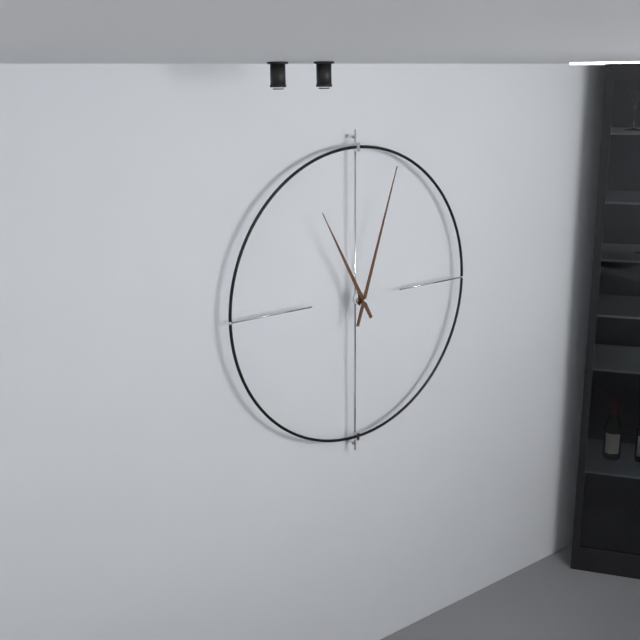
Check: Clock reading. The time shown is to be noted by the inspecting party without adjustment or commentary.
11:03
